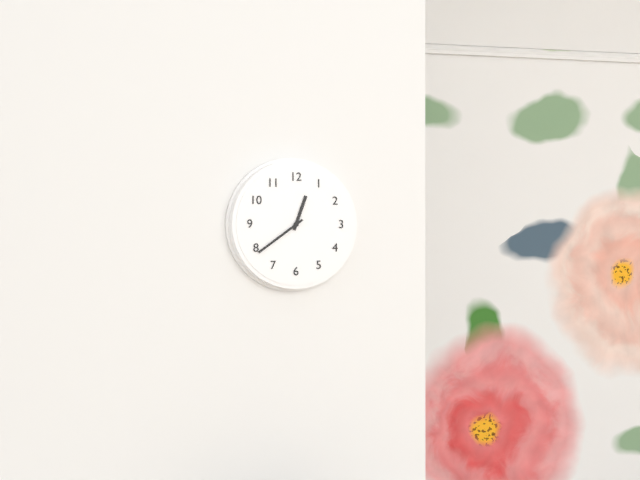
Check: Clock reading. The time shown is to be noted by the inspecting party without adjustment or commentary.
12:39
